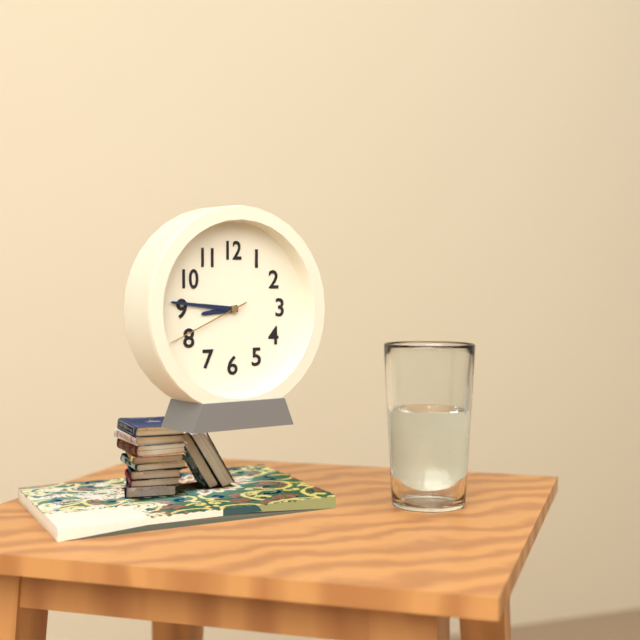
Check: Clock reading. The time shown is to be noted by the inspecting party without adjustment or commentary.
8:46:41
